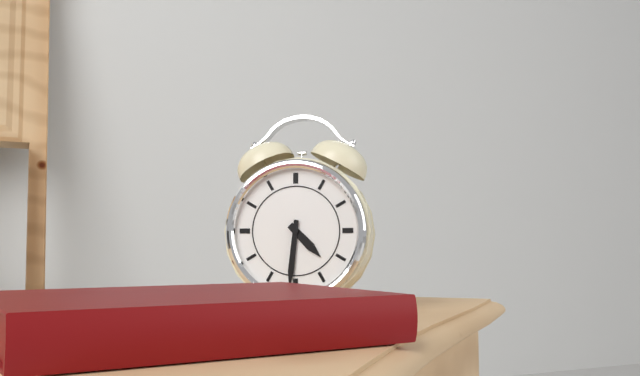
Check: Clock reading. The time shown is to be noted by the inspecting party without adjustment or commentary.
4:31
